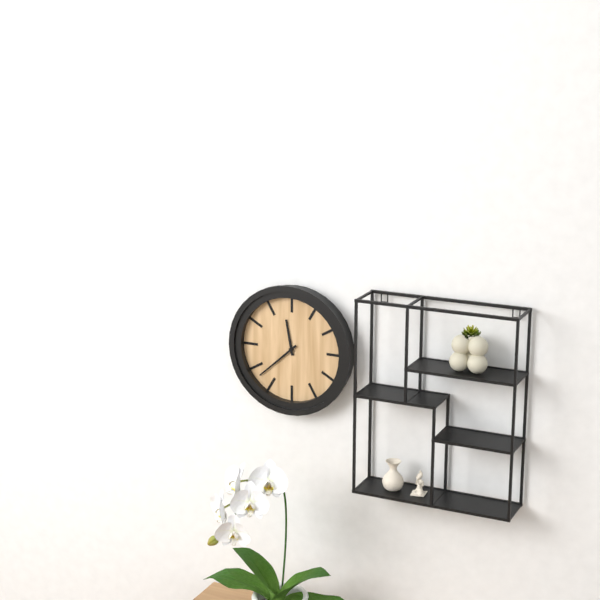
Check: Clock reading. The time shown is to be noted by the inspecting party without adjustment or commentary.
11:38
